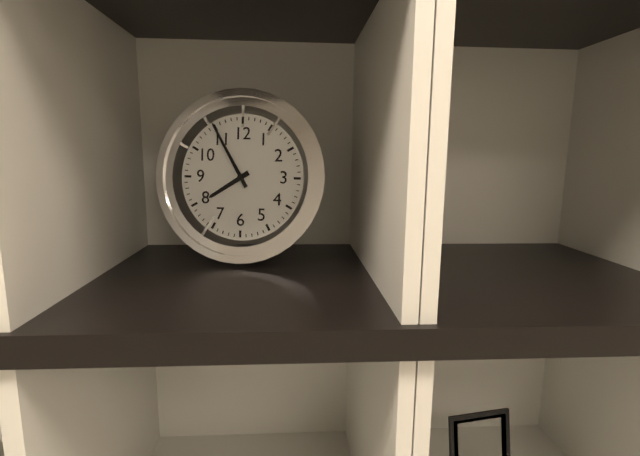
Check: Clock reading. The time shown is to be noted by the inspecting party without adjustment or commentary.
7:55
